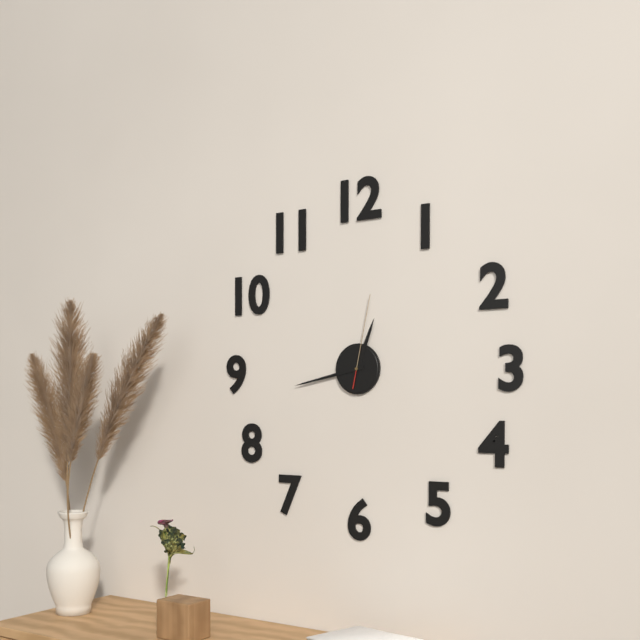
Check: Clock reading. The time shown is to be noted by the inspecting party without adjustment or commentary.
12:43:02
